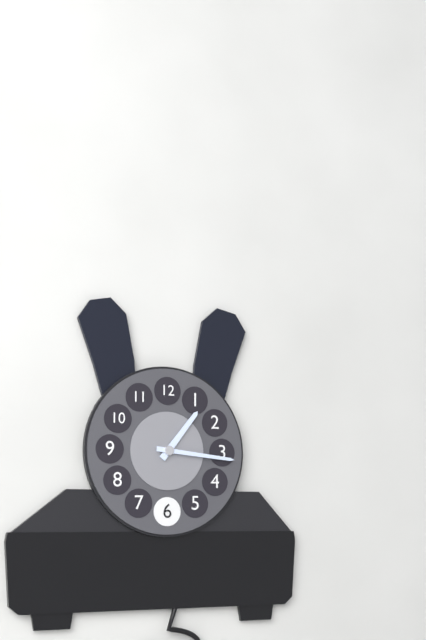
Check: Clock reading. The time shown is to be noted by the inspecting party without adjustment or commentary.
1:16
